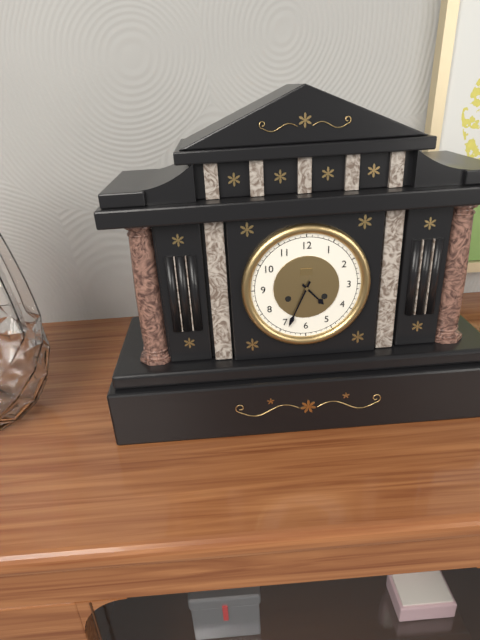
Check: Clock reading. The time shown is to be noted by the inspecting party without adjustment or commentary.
4:34
